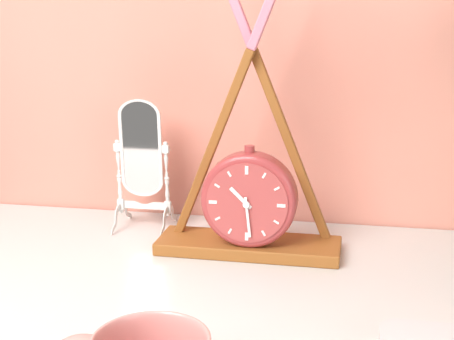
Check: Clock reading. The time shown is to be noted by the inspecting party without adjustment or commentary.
10:29
